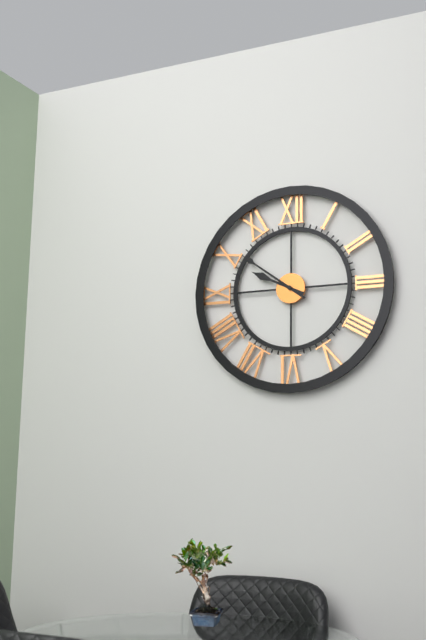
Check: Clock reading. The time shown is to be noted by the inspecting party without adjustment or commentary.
9:51
